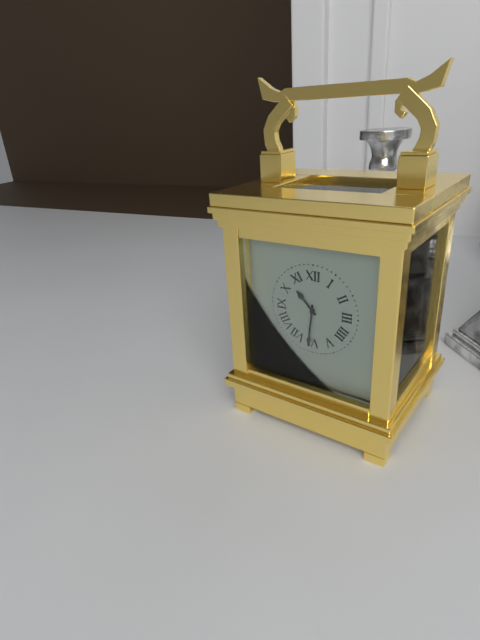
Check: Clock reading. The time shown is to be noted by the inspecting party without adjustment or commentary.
10:31
